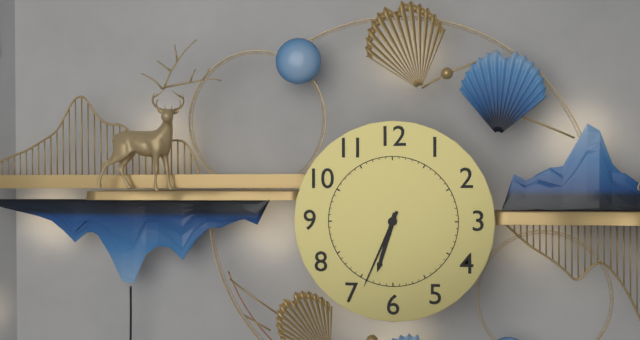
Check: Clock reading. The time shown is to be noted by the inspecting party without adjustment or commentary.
6:34
